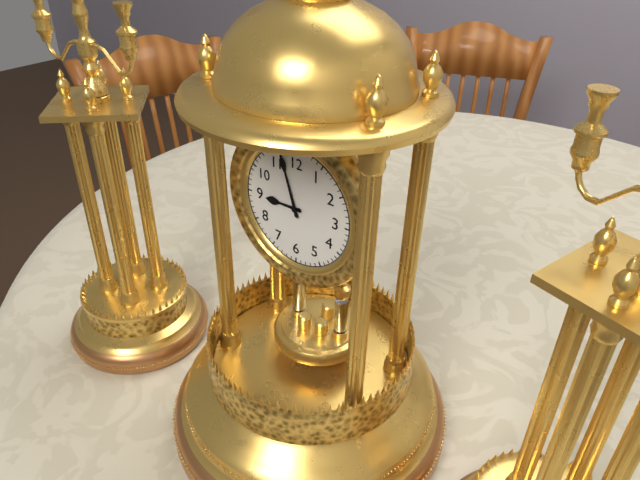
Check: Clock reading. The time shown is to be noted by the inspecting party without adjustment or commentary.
8:57
